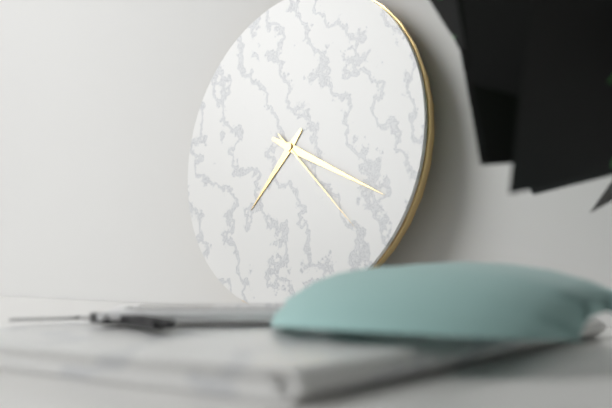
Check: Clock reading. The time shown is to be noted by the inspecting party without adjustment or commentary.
7:19:22
